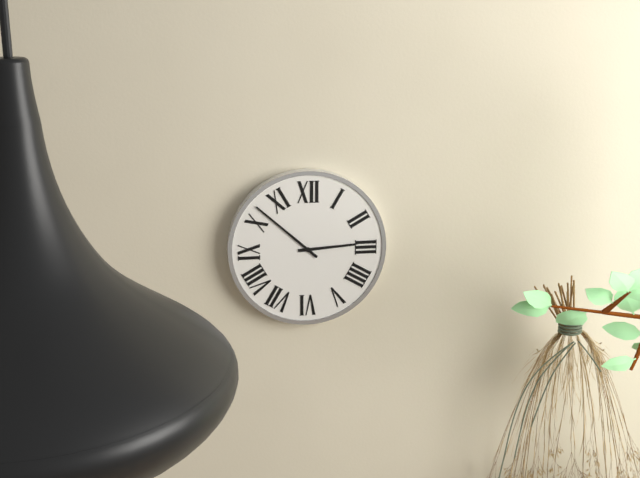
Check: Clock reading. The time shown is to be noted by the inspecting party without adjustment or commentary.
2:52
